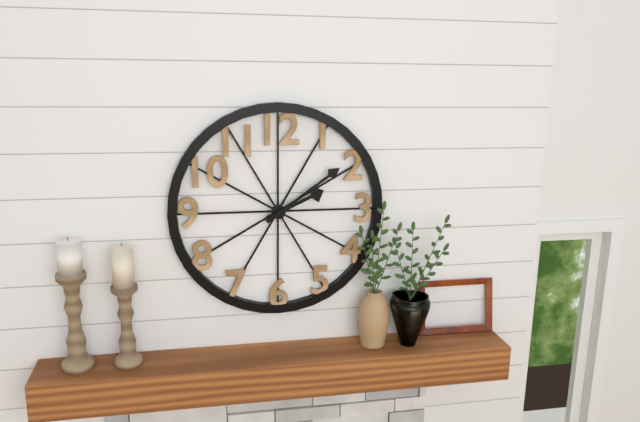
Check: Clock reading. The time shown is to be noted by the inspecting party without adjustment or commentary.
2:09
